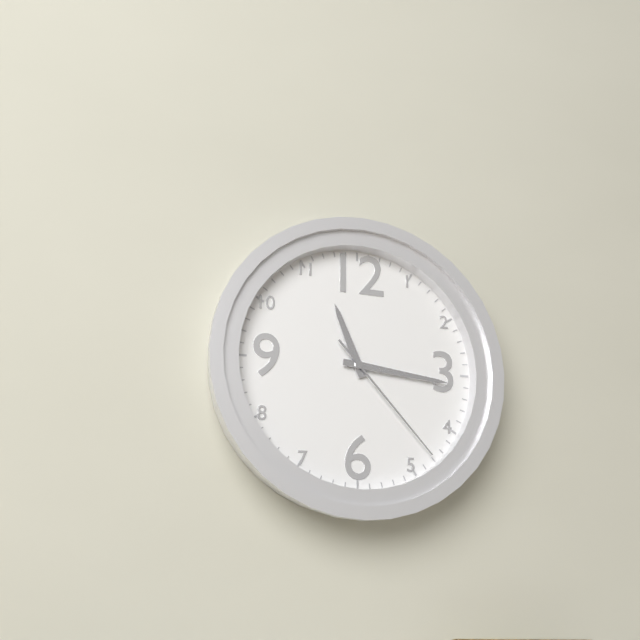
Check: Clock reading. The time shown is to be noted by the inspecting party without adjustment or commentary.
11:16:23
